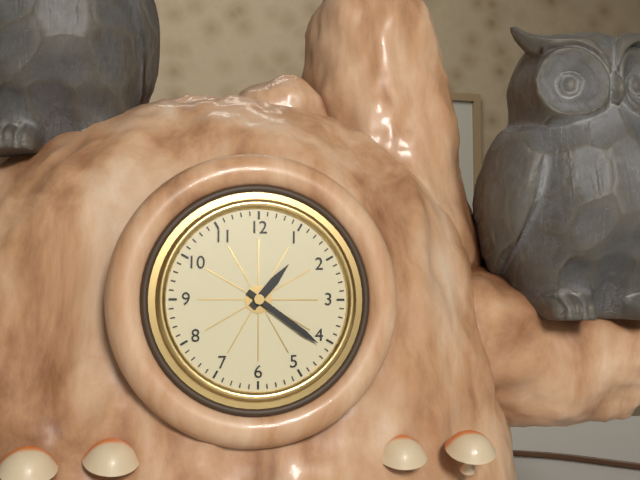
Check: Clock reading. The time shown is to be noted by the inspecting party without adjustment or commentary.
1:21
